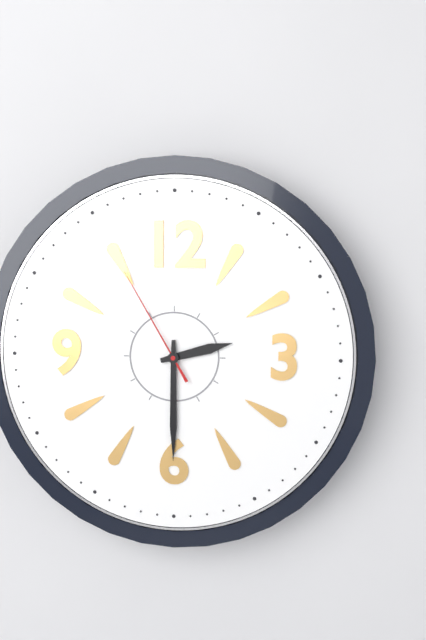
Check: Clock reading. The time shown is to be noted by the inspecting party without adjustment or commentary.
2:30:55
